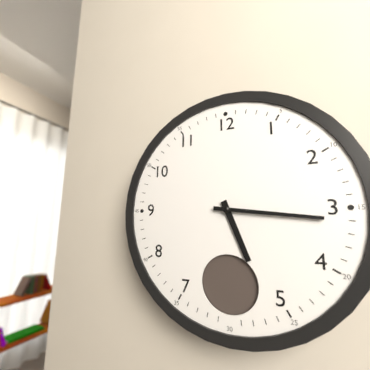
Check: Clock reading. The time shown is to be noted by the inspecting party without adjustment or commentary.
5:16
